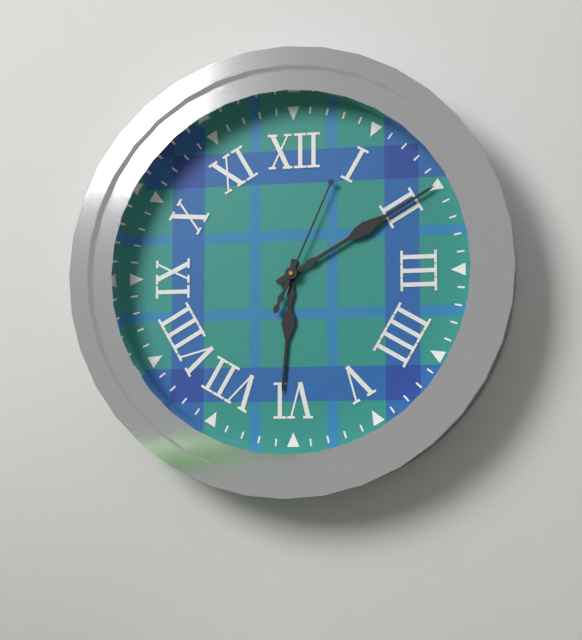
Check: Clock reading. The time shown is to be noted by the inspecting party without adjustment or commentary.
6:10:04
